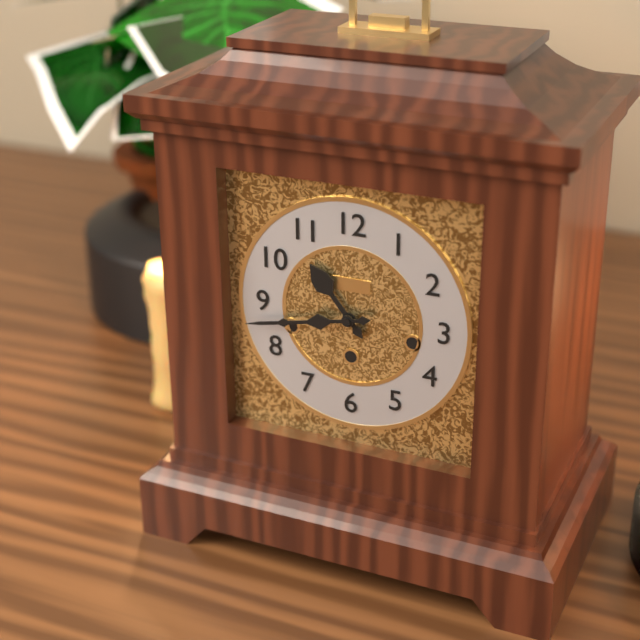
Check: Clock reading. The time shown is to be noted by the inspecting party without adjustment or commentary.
10:43
